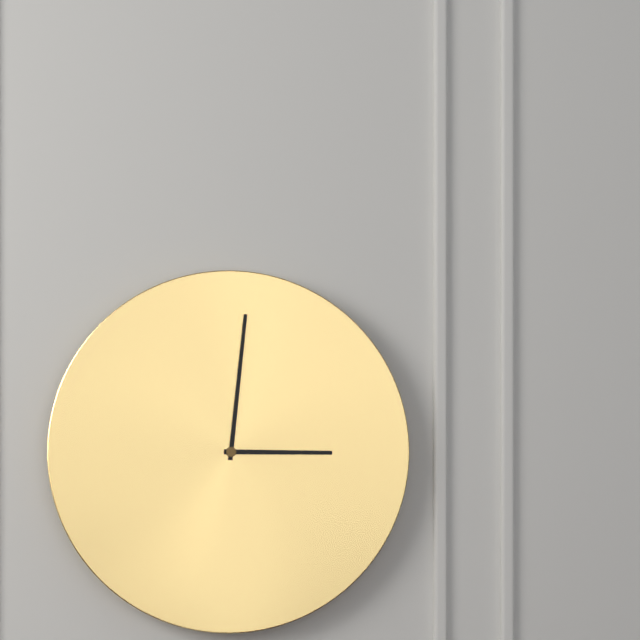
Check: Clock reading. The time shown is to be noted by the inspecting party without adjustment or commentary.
3:01
